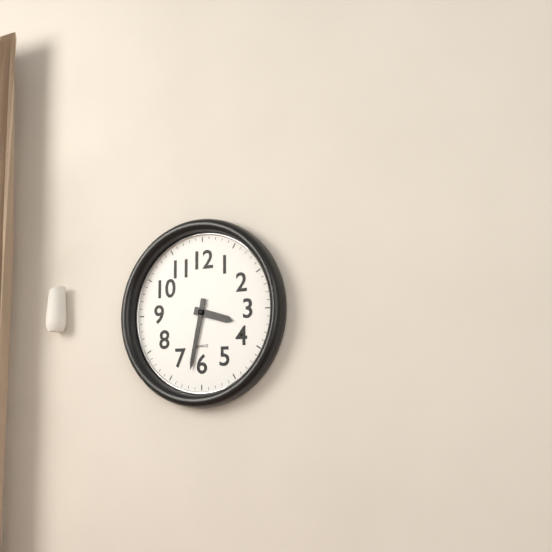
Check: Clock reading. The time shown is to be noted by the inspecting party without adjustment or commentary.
3:32
